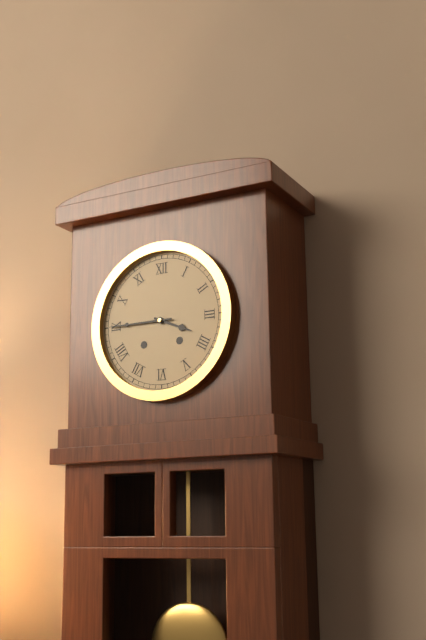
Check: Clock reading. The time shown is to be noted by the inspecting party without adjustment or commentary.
3:45
